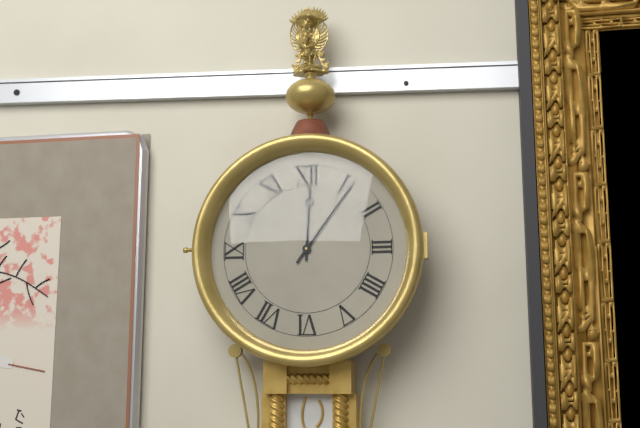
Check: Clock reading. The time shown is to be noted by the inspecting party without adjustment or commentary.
12:06
